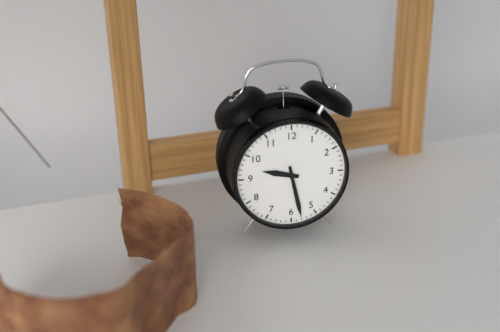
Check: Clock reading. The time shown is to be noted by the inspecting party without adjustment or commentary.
9:28
